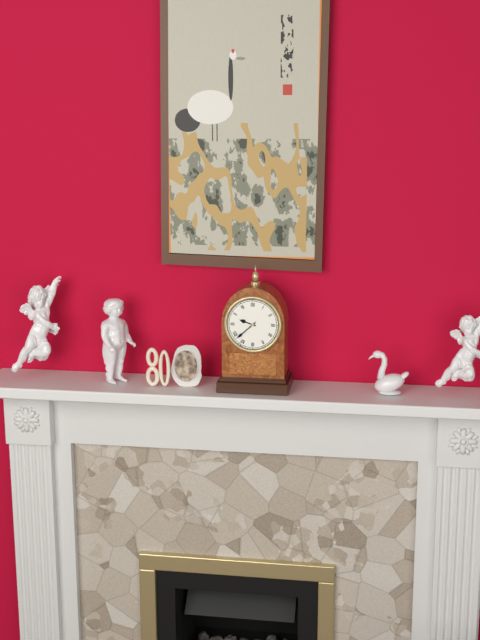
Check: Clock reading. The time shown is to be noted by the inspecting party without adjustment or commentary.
9:38
